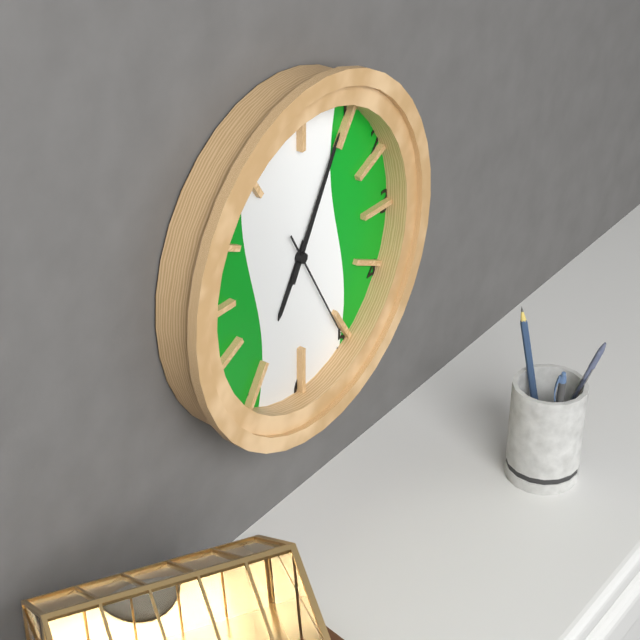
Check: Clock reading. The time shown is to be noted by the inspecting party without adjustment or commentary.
7:05:25
